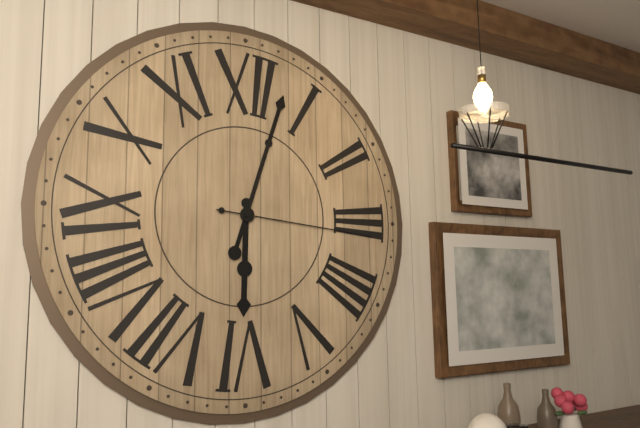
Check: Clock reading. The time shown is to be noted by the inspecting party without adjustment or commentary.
6:03:16
